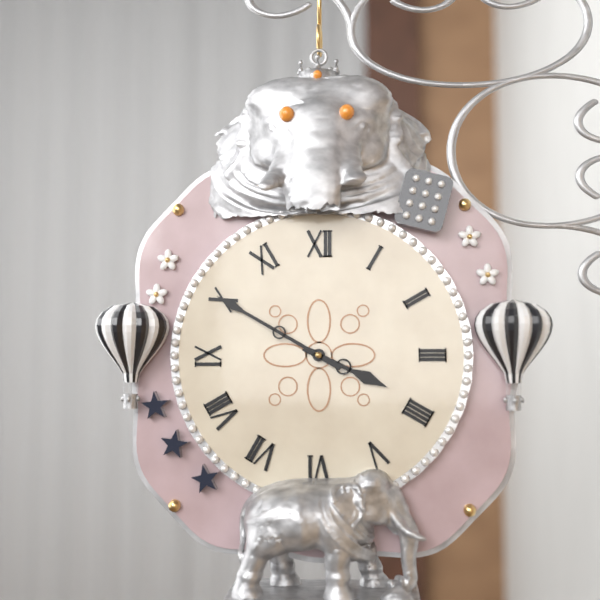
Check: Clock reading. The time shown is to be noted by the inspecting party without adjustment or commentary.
3:50
